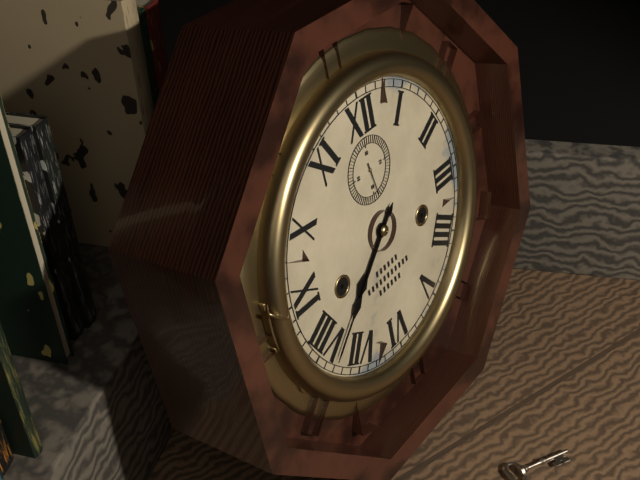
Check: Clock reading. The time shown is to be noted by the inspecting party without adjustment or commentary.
7:38
